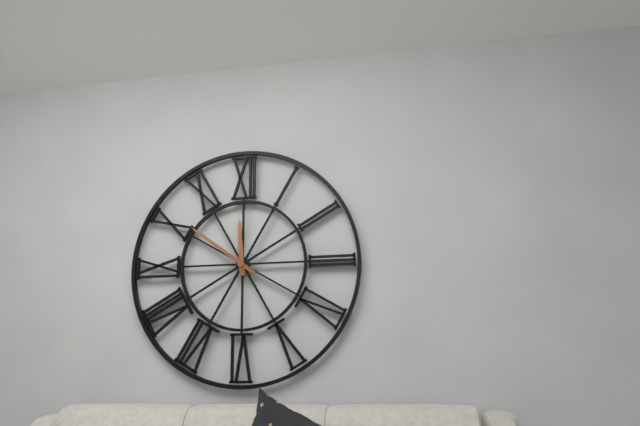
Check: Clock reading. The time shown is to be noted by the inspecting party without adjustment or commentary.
11:51
